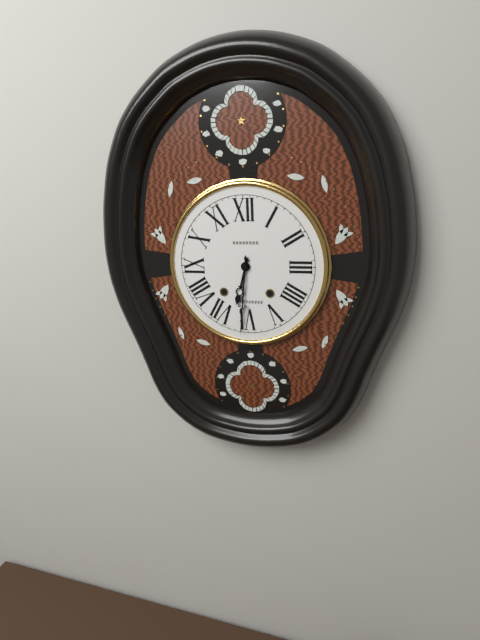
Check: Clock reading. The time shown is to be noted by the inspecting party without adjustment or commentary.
6:31
